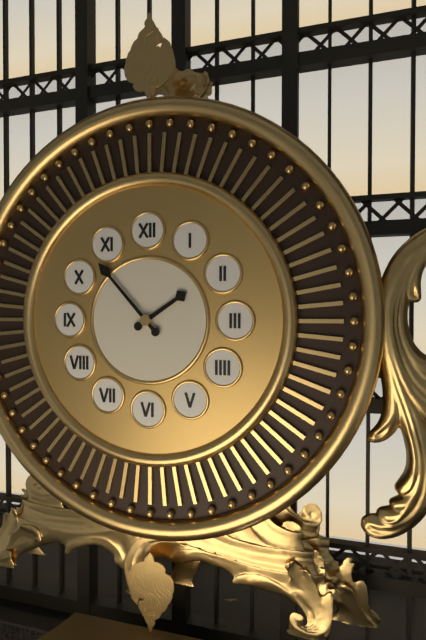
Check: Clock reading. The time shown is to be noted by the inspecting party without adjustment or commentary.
1:53
